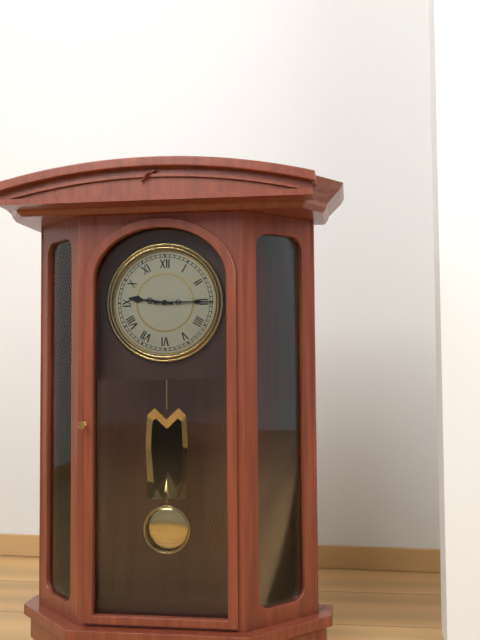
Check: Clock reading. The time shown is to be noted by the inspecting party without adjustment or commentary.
9:15
